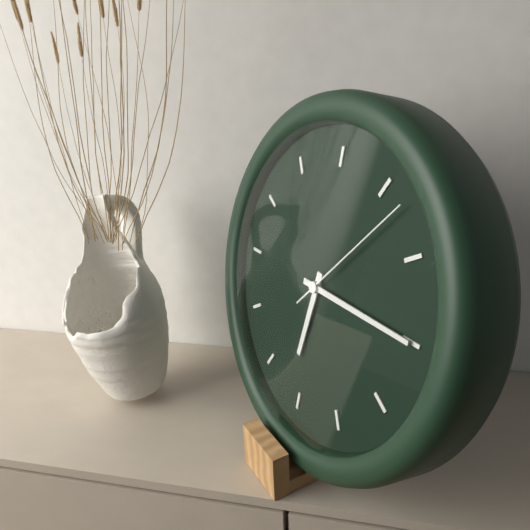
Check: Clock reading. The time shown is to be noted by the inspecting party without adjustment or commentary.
6:15:07
